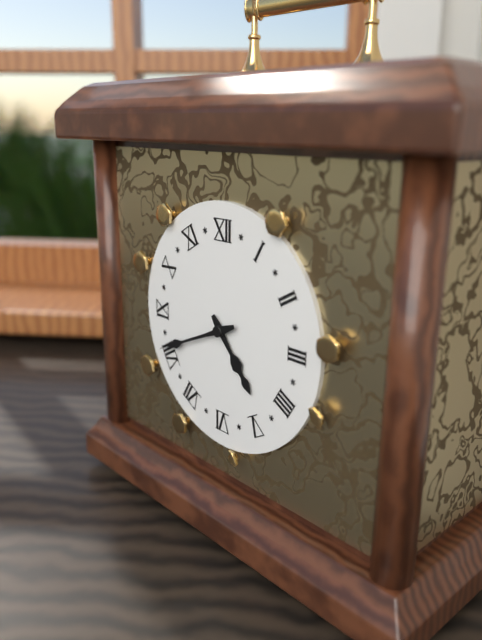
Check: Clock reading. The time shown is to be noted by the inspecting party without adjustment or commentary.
4:41
